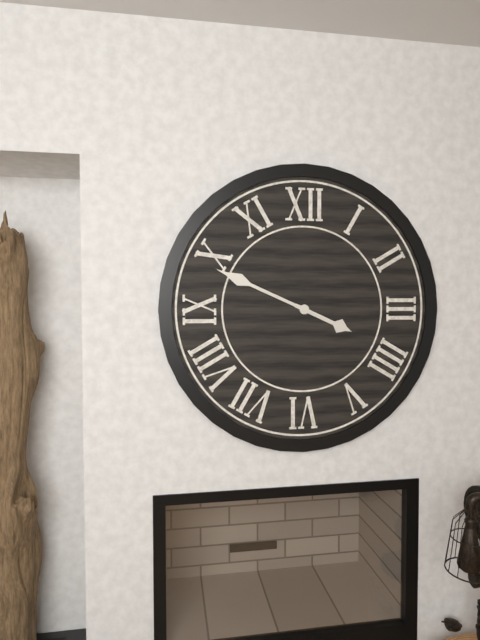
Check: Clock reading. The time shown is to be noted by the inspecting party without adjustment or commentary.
3:49
